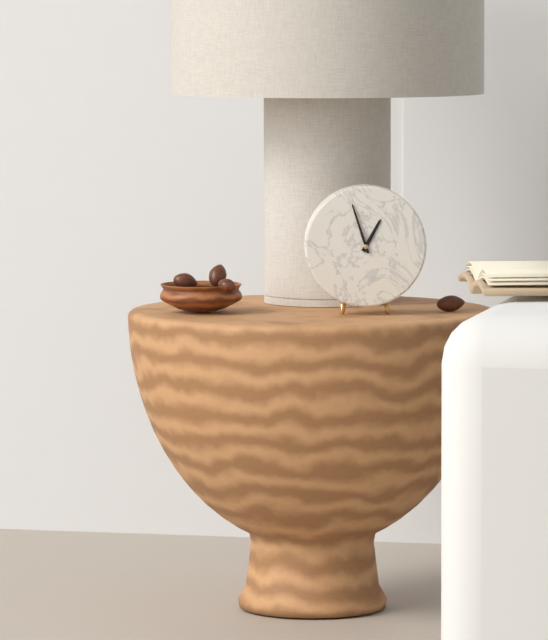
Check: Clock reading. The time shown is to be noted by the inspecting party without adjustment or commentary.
12:57
